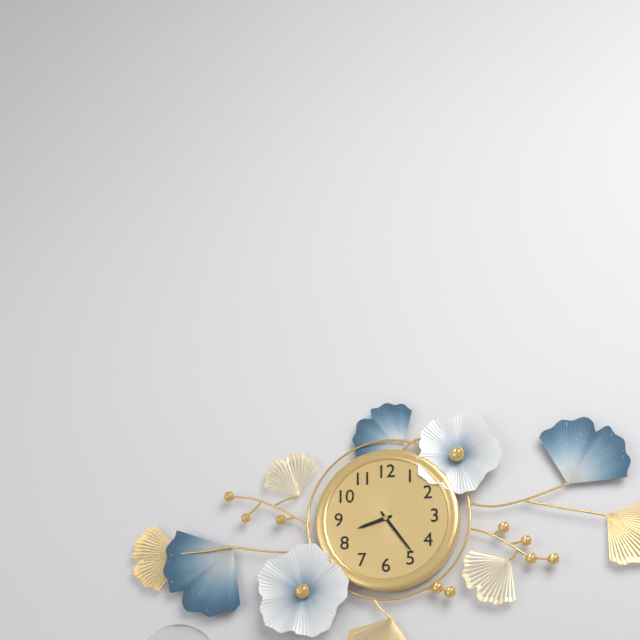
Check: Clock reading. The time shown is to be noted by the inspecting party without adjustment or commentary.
8:24
